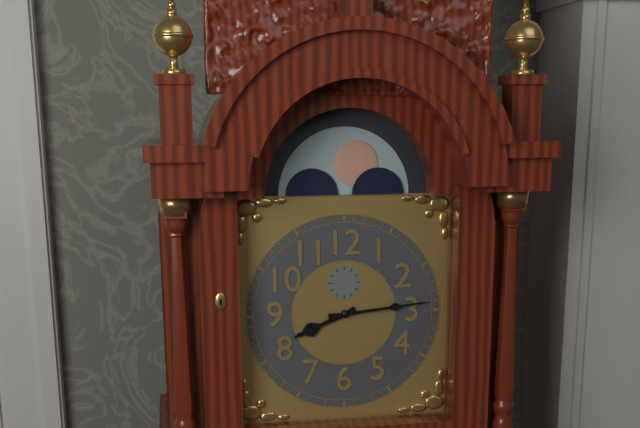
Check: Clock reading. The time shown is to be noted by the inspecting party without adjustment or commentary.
8:14
